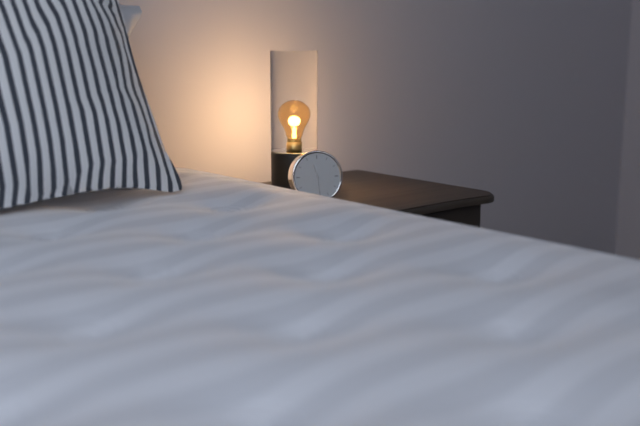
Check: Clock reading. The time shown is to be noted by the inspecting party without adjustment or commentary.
11:29
